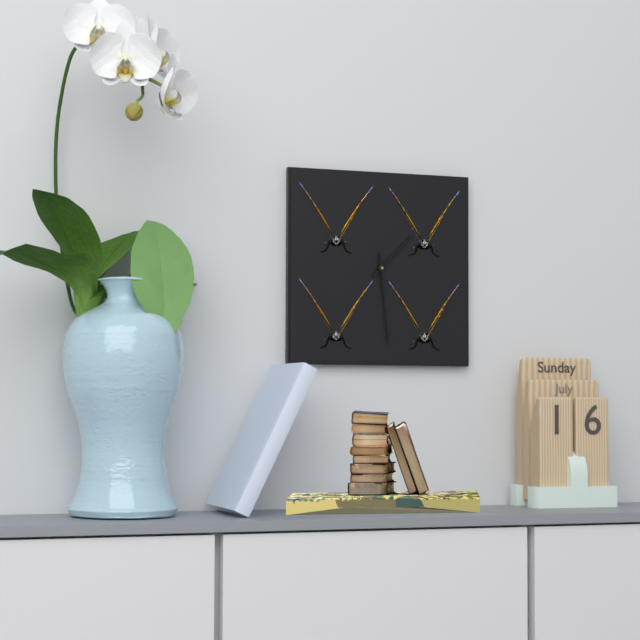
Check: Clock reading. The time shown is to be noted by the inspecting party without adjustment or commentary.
1:29
